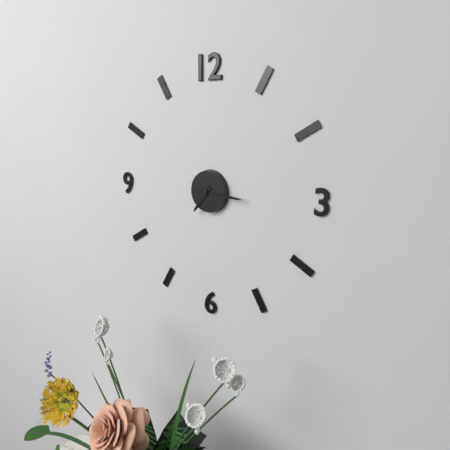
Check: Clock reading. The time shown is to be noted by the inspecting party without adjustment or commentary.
7:16
